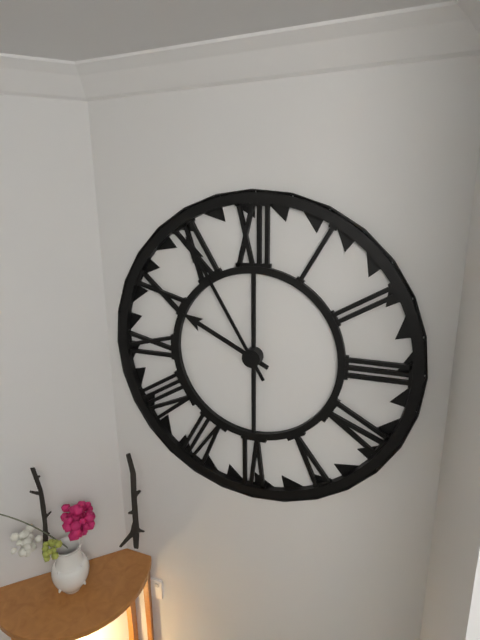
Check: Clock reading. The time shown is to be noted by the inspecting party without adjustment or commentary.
9:55
